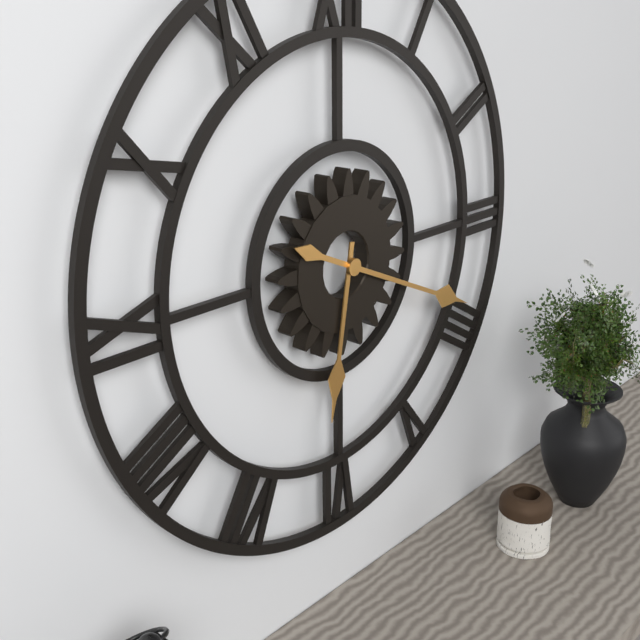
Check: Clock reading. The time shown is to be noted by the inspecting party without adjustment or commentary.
6:19
